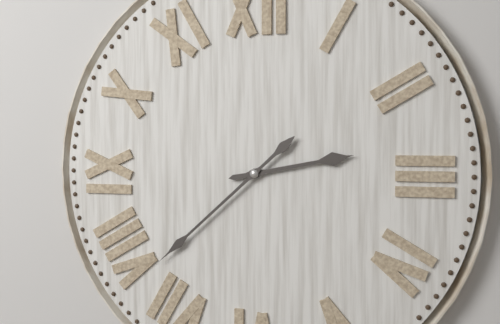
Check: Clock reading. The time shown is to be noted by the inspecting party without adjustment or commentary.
2:38
